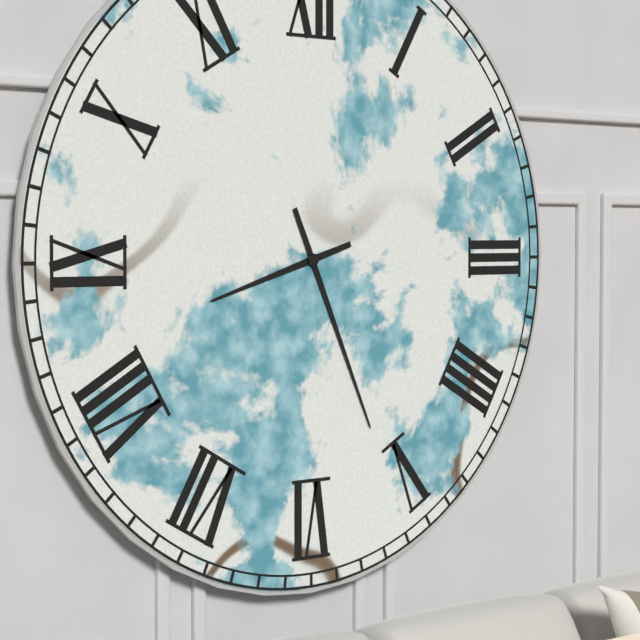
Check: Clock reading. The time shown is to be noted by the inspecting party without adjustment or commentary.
8:26
